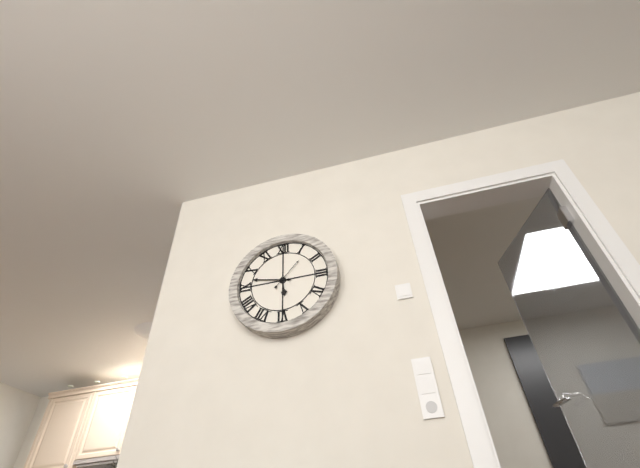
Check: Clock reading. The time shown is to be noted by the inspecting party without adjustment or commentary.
5:47
